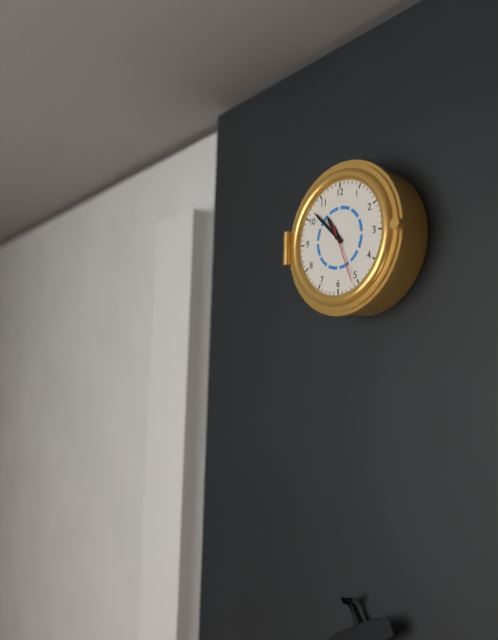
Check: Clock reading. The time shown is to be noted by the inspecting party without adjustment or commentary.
10:52:26
